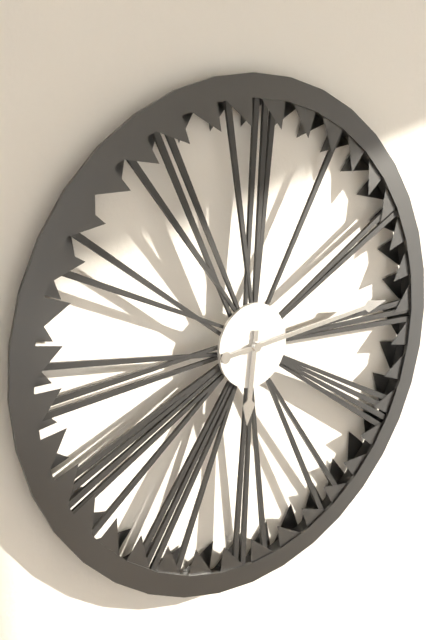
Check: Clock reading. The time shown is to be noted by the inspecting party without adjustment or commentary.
6:14
